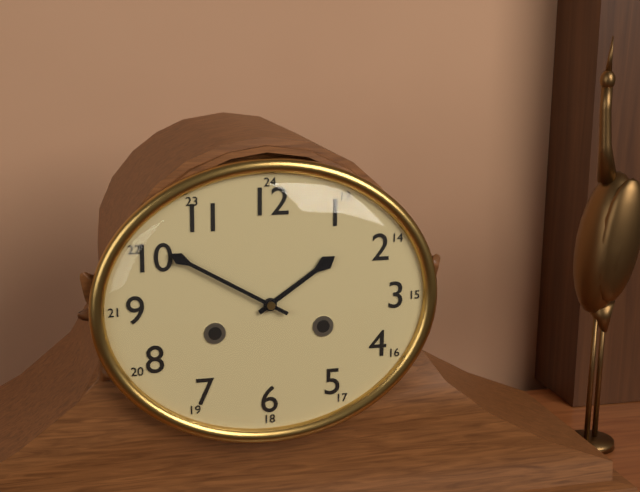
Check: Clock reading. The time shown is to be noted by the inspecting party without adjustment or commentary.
1:50
